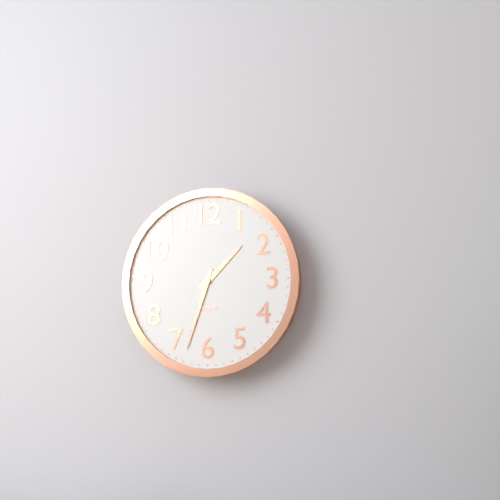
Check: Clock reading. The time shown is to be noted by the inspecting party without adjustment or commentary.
1:33
